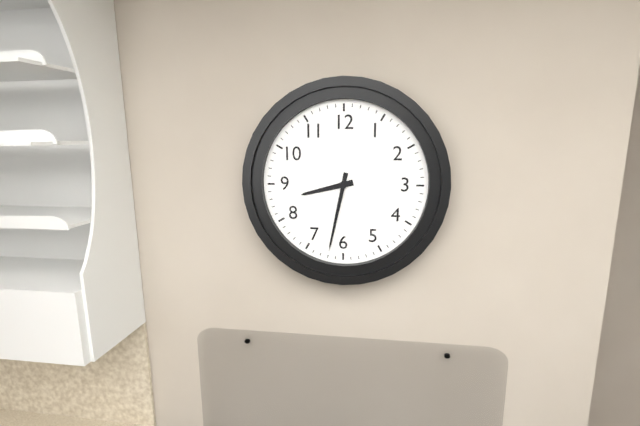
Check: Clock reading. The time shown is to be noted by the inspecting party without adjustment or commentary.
8:32
